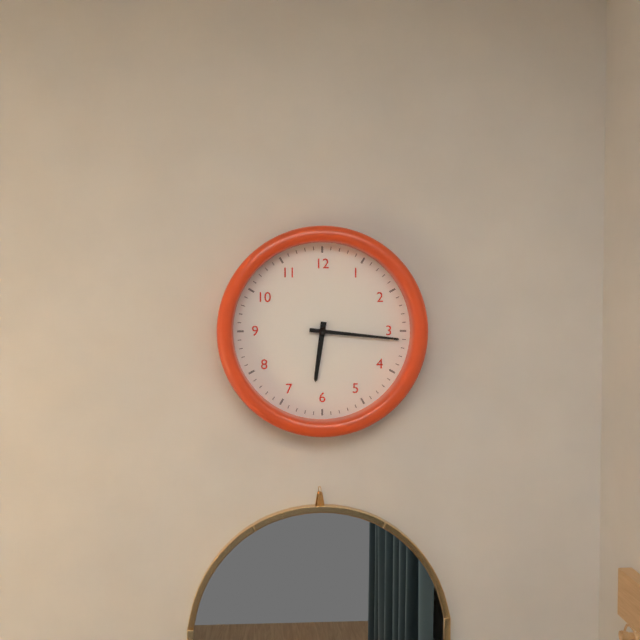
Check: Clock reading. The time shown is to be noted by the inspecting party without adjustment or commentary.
6:16
